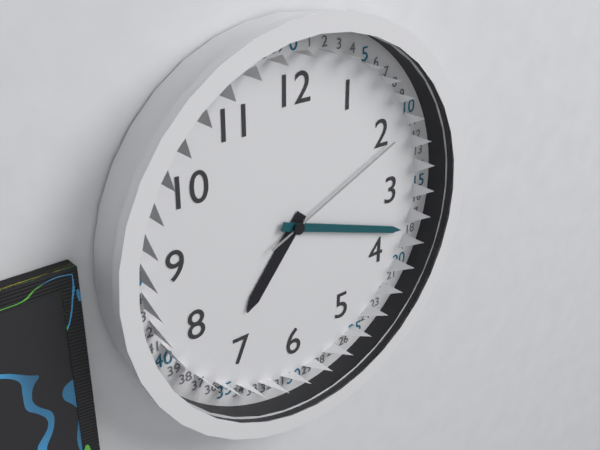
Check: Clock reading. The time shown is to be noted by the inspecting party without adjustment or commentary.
7:18:11
